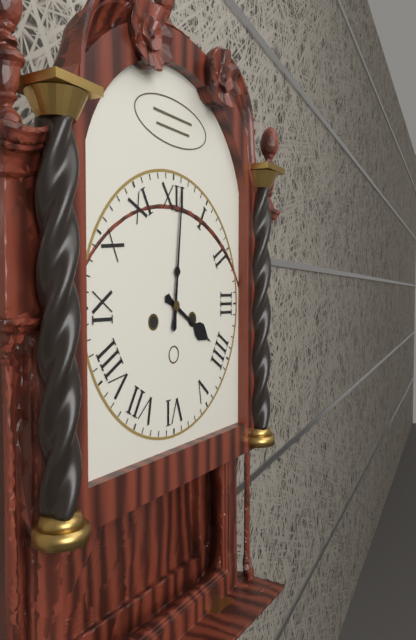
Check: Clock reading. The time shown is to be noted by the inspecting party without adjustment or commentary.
4:01
